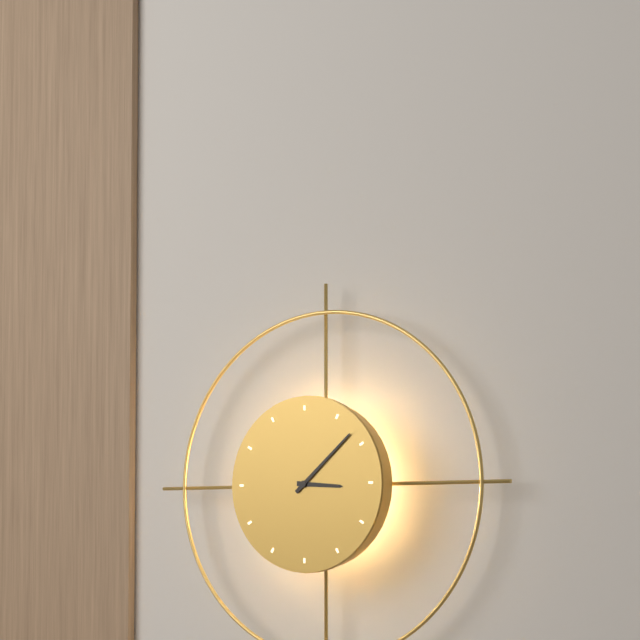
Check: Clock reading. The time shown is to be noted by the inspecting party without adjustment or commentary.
3:08
